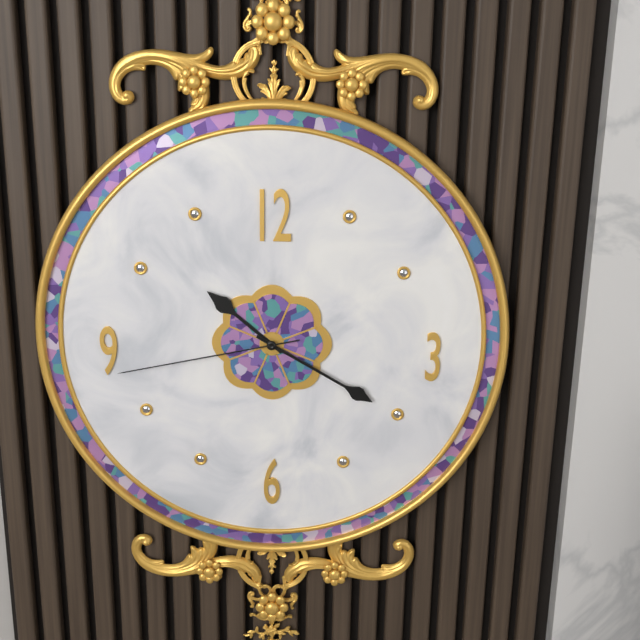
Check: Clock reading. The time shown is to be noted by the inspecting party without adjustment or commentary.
10:20:43
